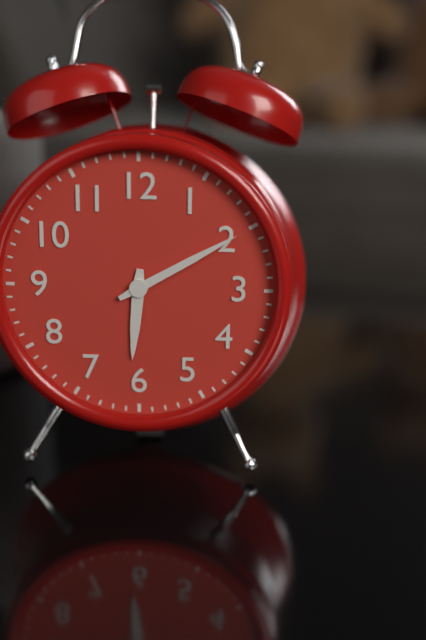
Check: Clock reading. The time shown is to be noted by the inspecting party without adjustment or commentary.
6:10
